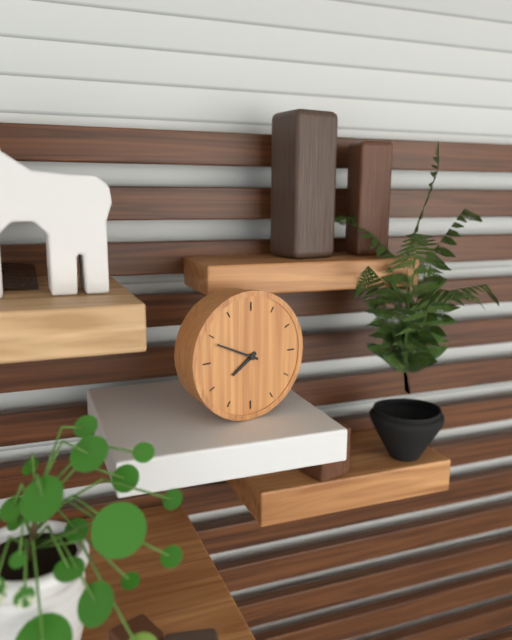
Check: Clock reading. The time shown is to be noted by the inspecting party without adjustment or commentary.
7:49
